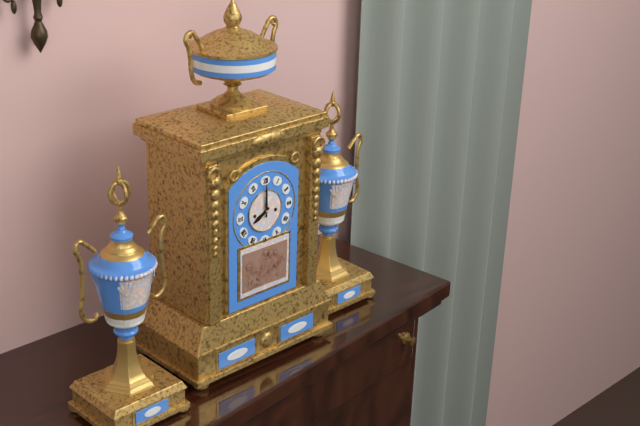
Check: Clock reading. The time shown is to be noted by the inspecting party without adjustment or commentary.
8:00
